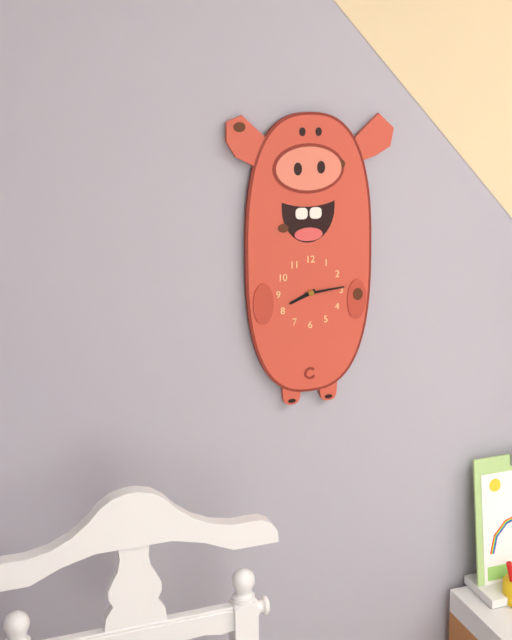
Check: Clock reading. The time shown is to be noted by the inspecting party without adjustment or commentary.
8:14
